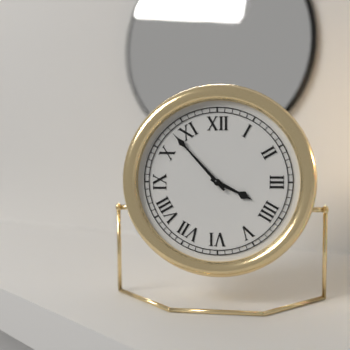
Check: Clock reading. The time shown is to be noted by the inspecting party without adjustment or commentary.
3:53
